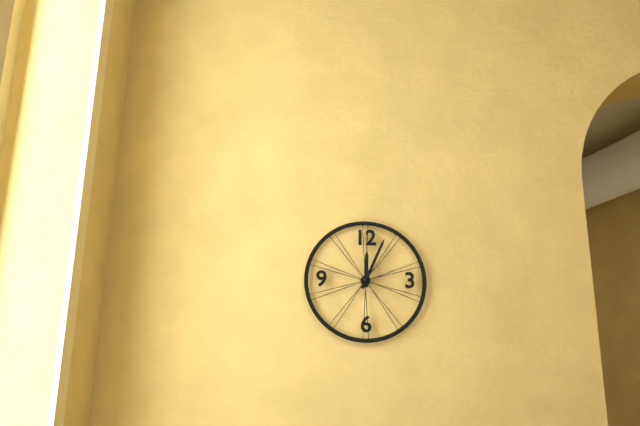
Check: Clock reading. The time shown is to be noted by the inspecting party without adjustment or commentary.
12:04
